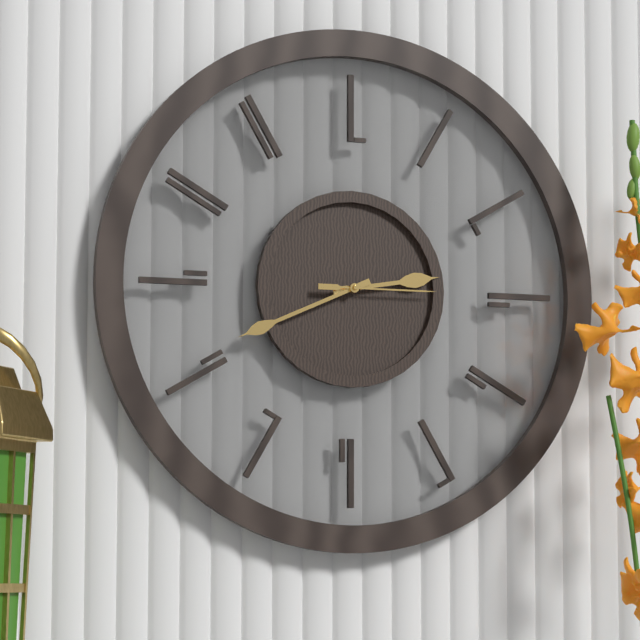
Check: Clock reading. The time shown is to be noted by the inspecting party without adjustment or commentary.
2:41:15
